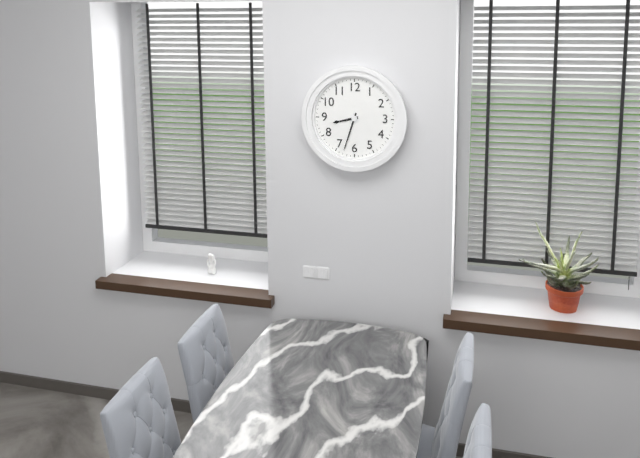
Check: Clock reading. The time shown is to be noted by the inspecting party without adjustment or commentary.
8:33
